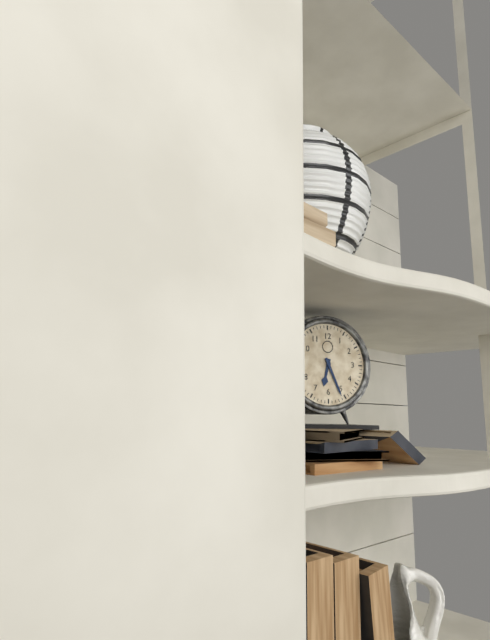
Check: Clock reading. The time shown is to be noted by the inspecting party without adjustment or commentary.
6:26
